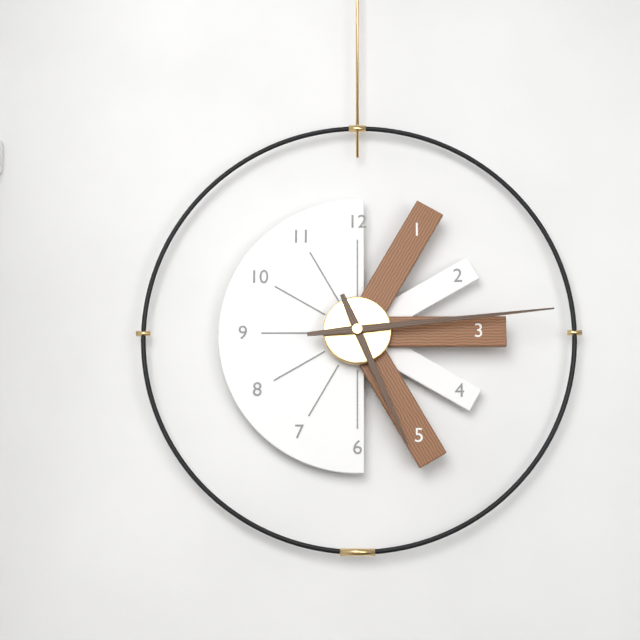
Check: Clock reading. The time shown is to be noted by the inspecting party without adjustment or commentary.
5:14
